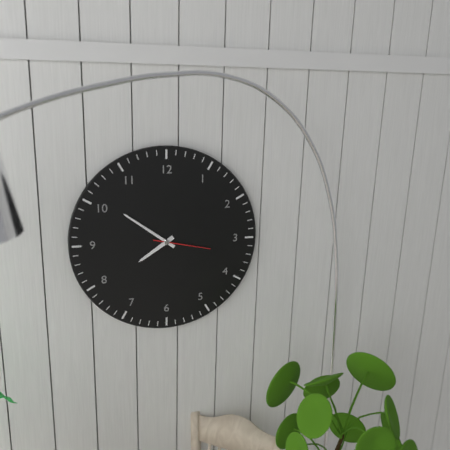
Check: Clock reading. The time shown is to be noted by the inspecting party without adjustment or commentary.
7:51:17
